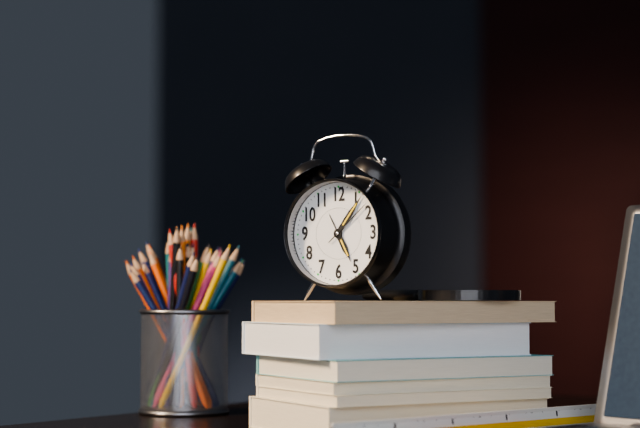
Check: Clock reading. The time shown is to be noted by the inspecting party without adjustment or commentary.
5:06:08
